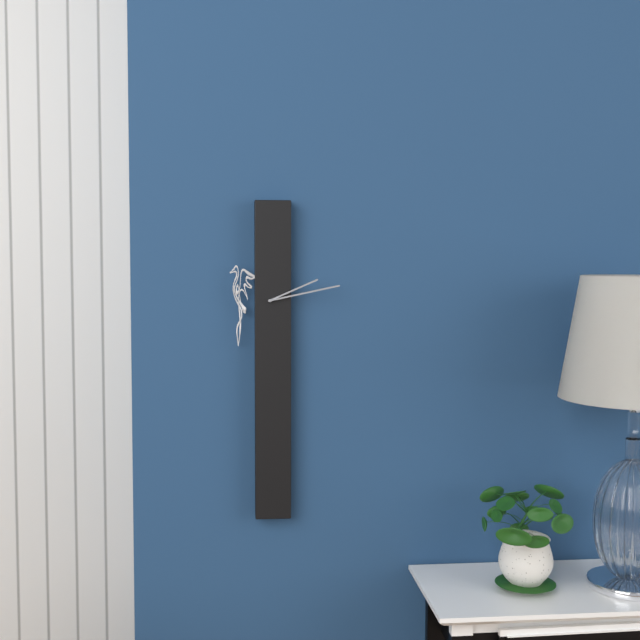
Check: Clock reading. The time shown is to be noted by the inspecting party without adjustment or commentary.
2:13
